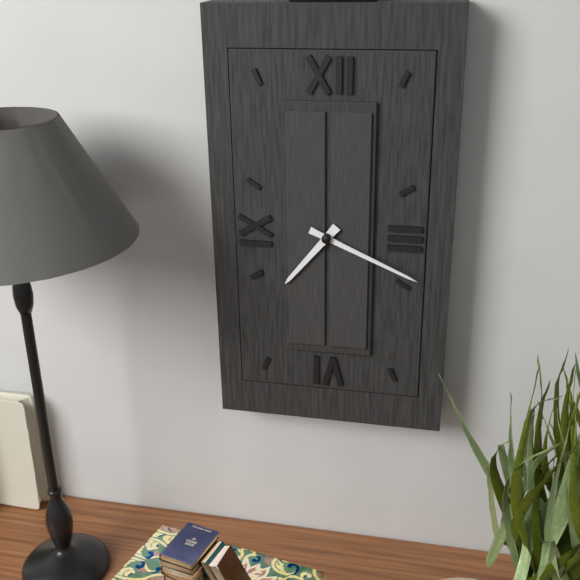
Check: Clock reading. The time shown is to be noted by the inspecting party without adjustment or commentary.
7:19
